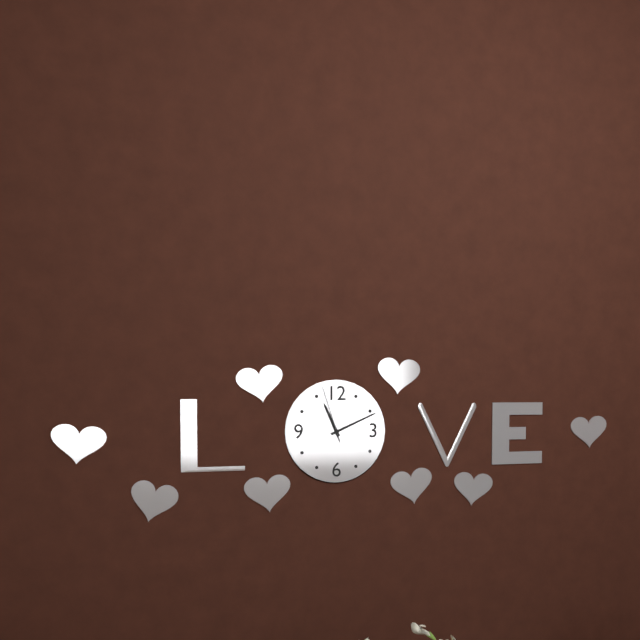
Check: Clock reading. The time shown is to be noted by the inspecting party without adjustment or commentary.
11:11:57
